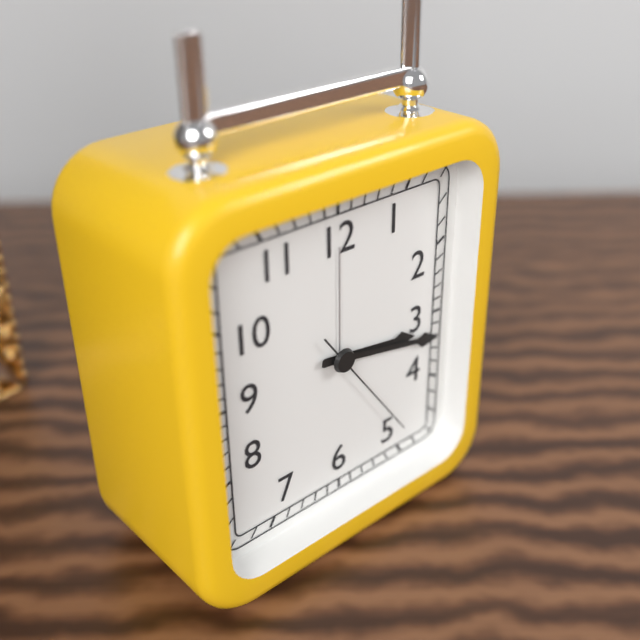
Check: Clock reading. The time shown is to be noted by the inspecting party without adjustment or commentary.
3:17:24
